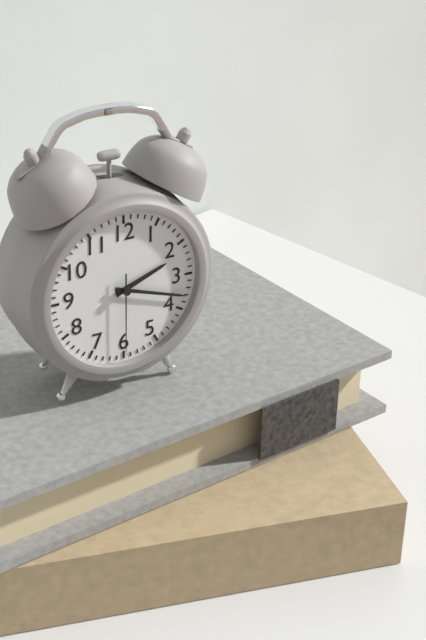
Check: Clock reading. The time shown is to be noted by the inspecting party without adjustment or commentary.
2:18:30
